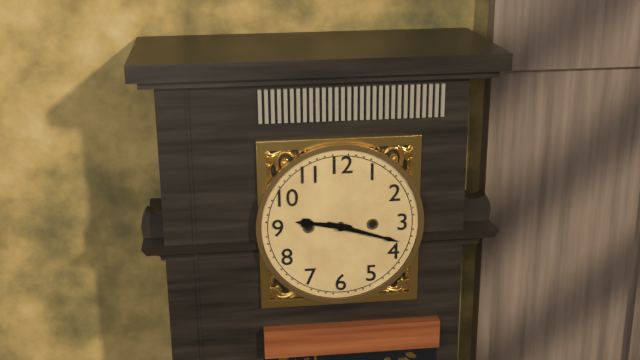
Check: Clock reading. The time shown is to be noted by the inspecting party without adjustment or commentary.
9:18
